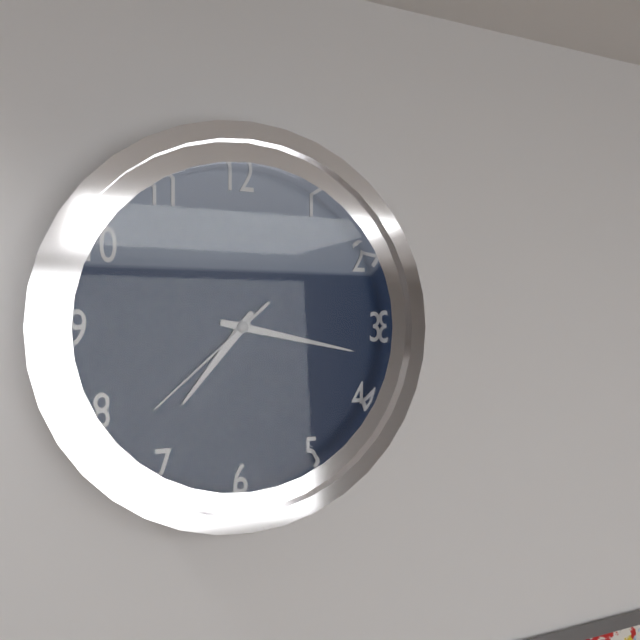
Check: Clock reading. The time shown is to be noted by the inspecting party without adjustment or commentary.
7:17:38
